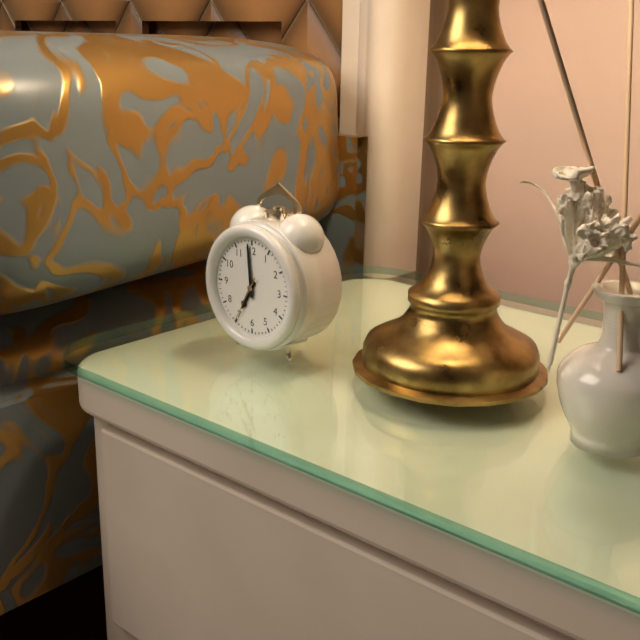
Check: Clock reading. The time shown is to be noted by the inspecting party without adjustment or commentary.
6:59
